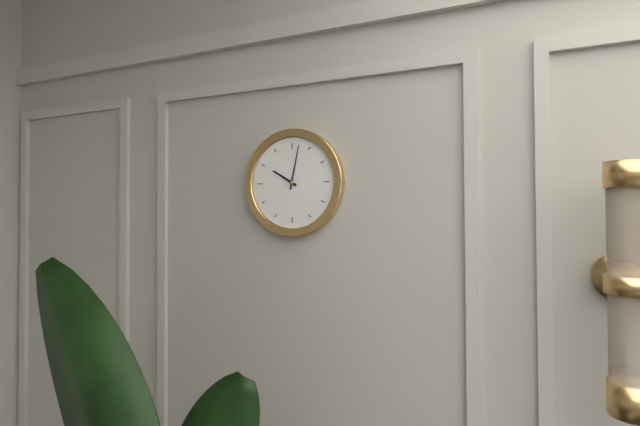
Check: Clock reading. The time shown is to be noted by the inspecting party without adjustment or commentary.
10:02
